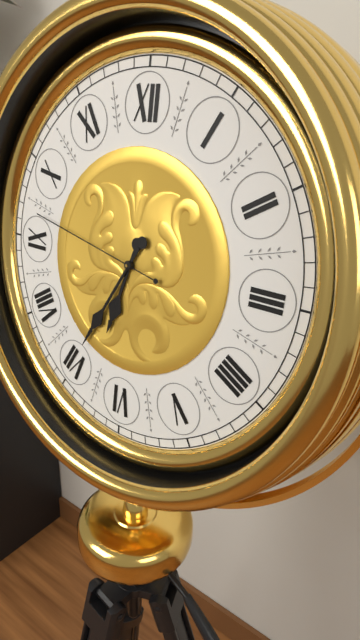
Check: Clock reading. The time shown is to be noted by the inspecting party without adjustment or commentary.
6:35:47
